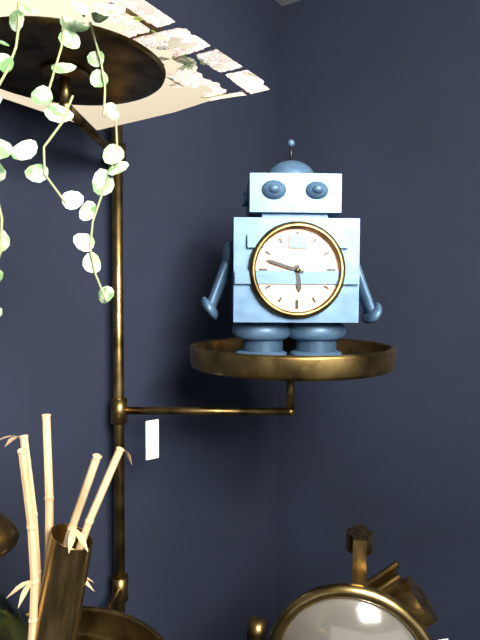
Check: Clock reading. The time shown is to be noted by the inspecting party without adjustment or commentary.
5:48
